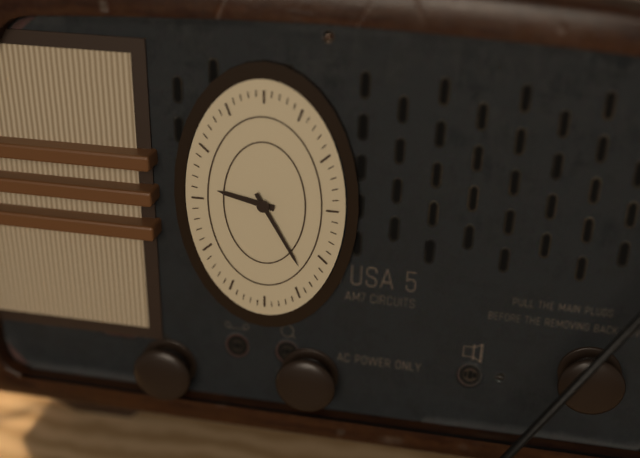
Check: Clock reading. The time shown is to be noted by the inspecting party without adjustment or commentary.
9:25
